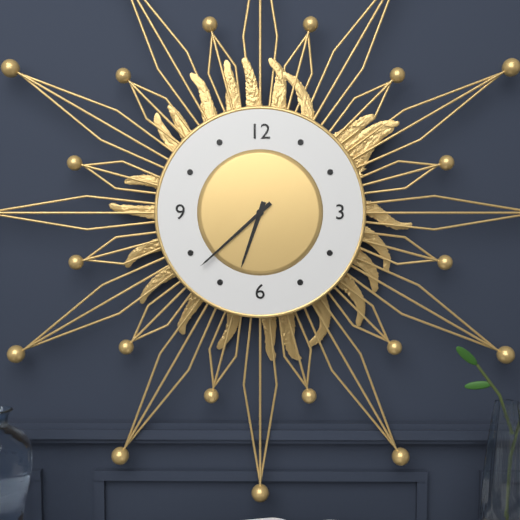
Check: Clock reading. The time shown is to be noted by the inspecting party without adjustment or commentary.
6:38
